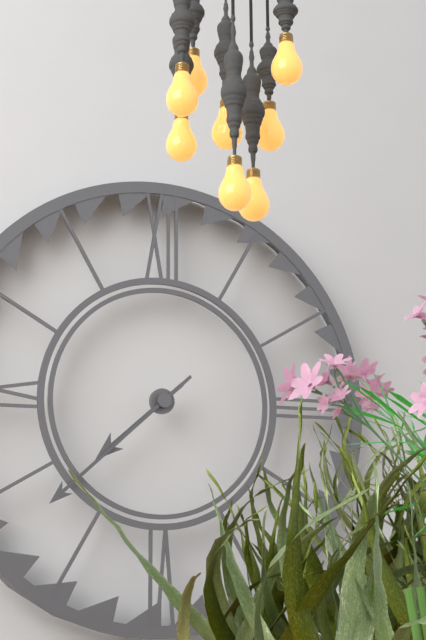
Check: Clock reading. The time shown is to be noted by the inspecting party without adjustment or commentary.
7:38
